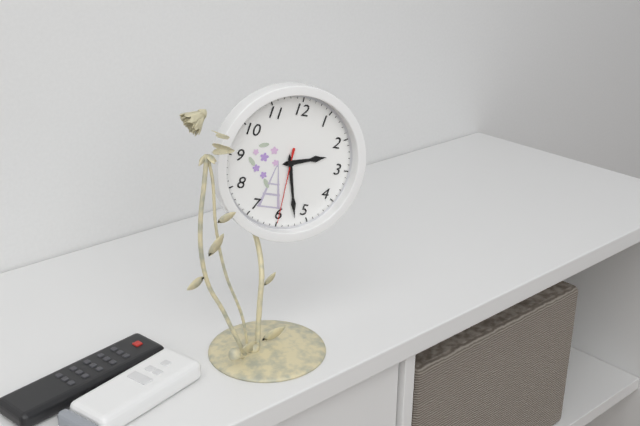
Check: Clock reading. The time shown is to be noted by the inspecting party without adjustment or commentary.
2:27:30
